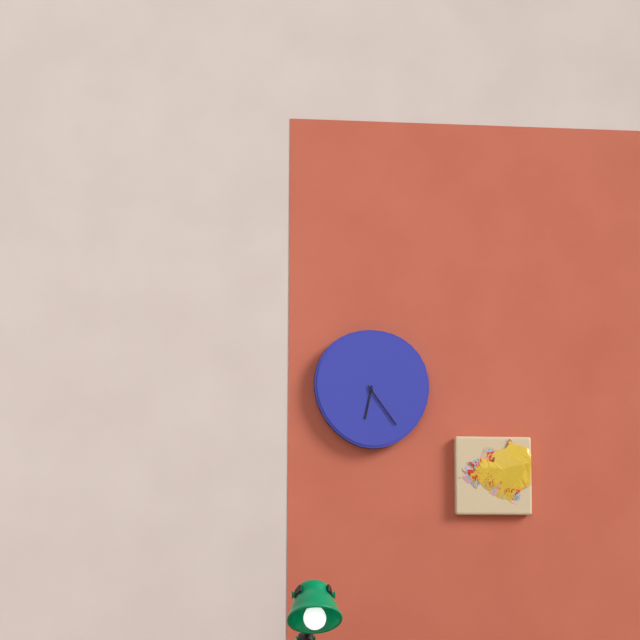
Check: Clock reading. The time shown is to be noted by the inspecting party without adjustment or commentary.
6:24
